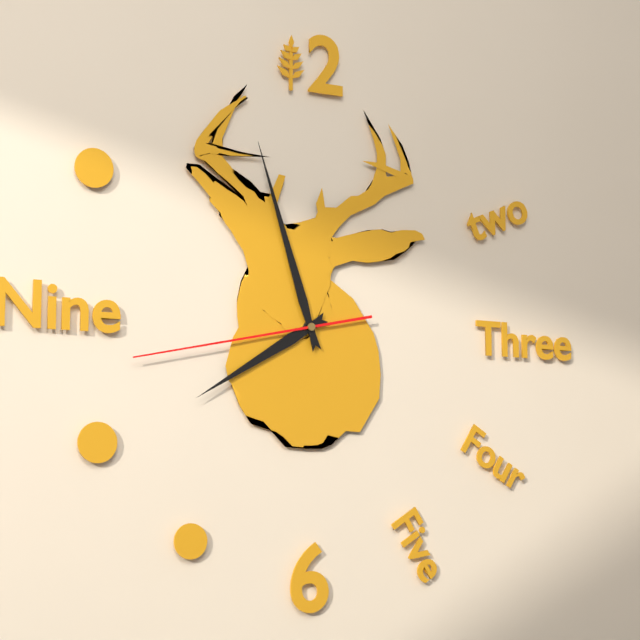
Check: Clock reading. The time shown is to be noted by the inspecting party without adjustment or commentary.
7:57:43
